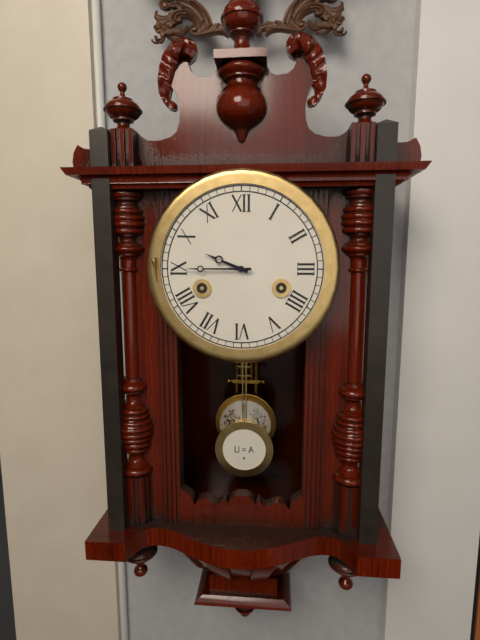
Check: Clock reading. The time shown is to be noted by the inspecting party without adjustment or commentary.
9:45
